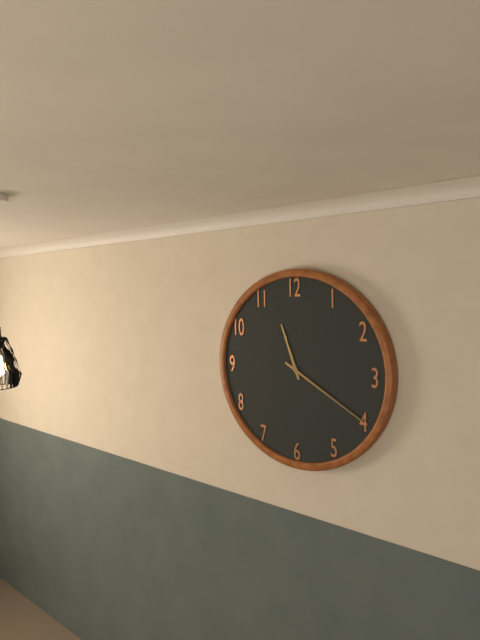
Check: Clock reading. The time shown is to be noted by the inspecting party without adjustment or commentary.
11:20
